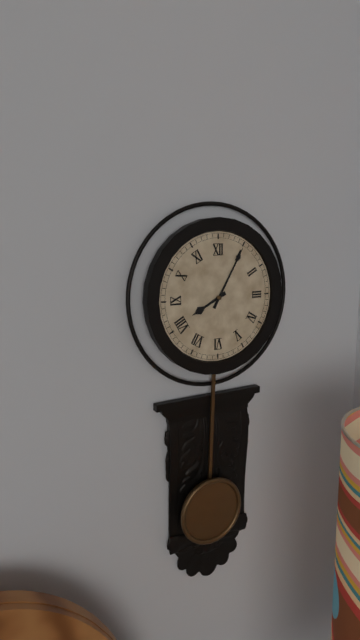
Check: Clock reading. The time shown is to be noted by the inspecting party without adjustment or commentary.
8:05
